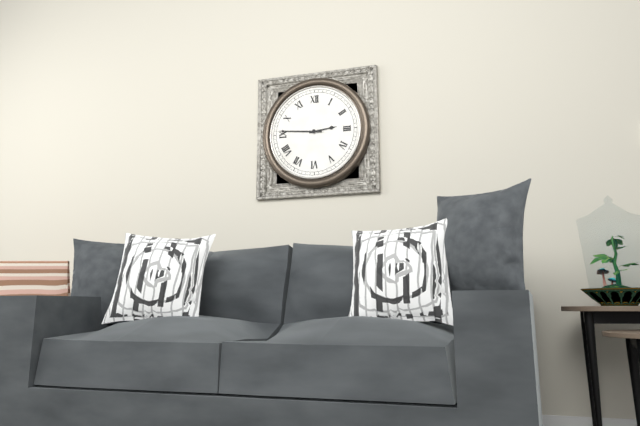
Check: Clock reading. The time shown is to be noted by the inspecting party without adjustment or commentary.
2:46
